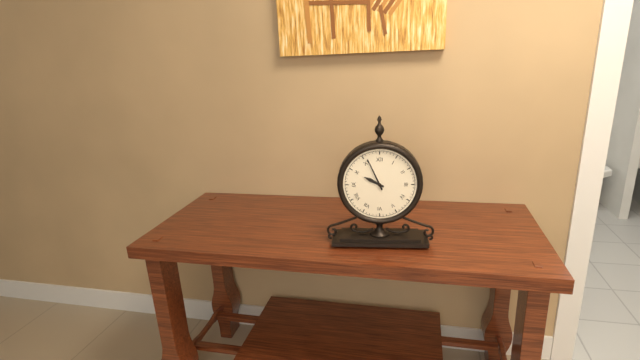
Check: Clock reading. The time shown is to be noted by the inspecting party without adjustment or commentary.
9:56
